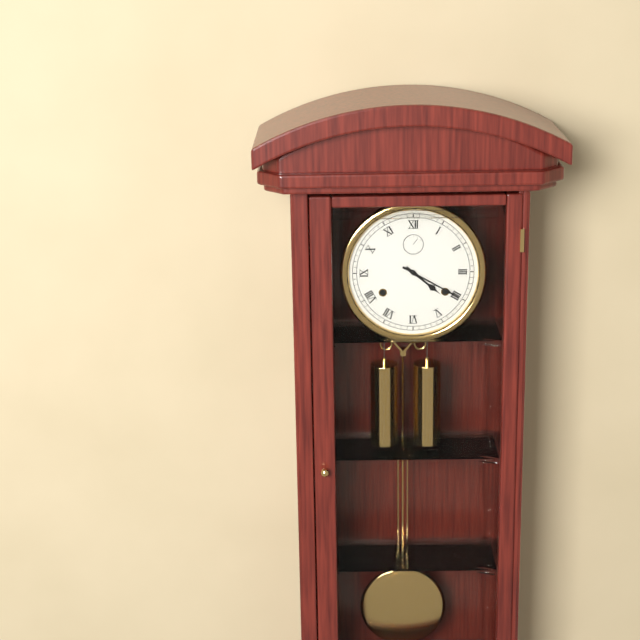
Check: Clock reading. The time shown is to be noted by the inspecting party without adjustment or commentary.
4:20
